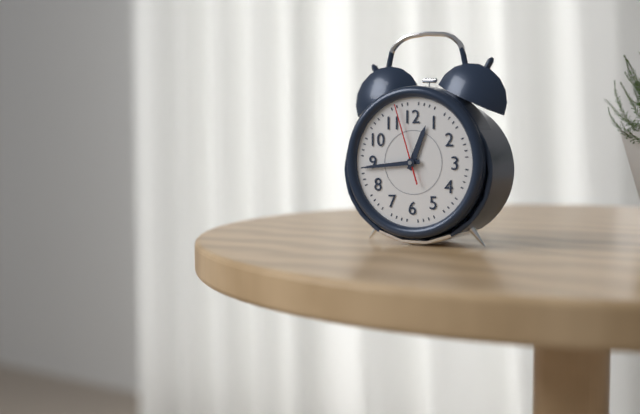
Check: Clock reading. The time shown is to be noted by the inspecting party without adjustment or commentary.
12:44:57
